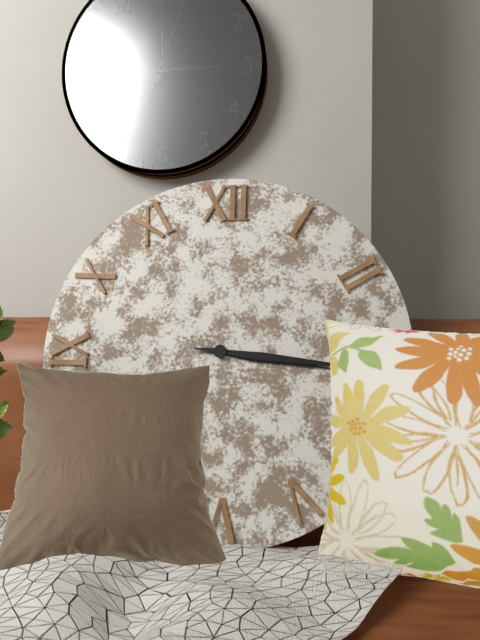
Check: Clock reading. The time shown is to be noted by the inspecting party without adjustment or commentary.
3:16
